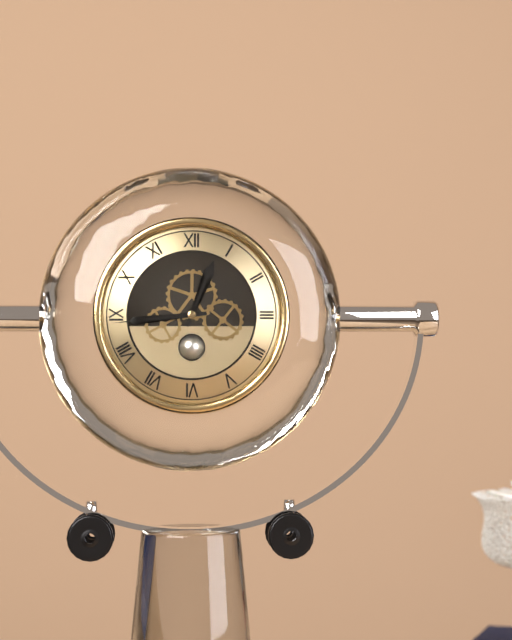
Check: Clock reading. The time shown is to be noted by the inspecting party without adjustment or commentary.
12:44
